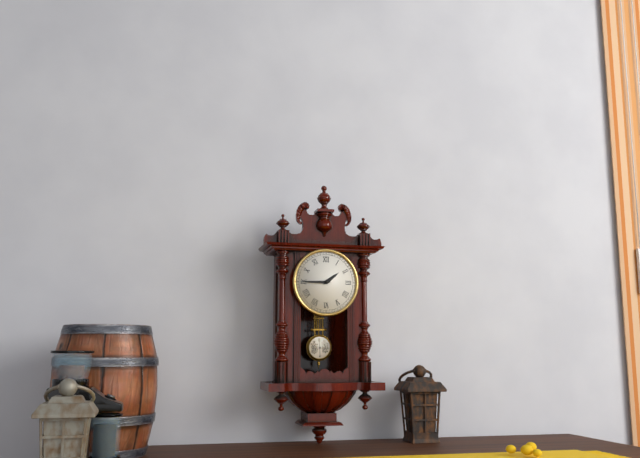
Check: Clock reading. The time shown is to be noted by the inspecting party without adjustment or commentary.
1:45
